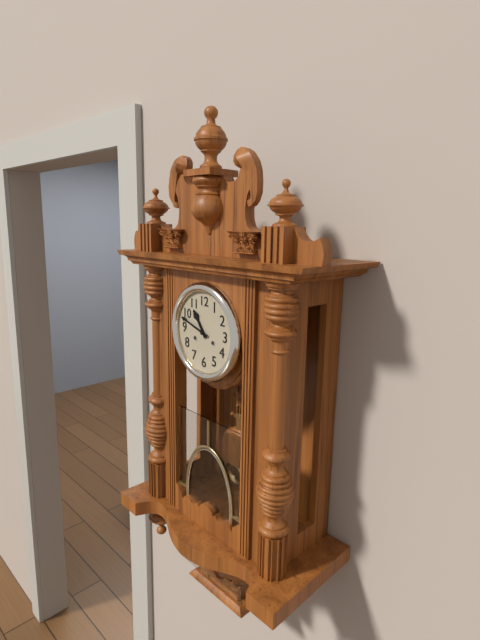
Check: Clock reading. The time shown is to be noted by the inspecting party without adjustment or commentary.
10:48
